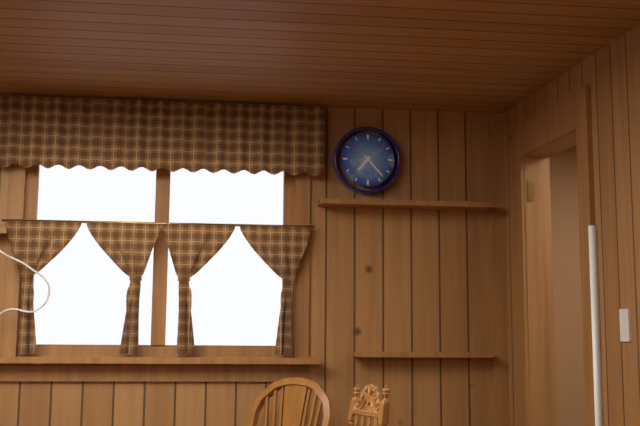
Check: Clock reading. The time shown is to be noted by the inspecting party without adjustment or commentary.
7:23
